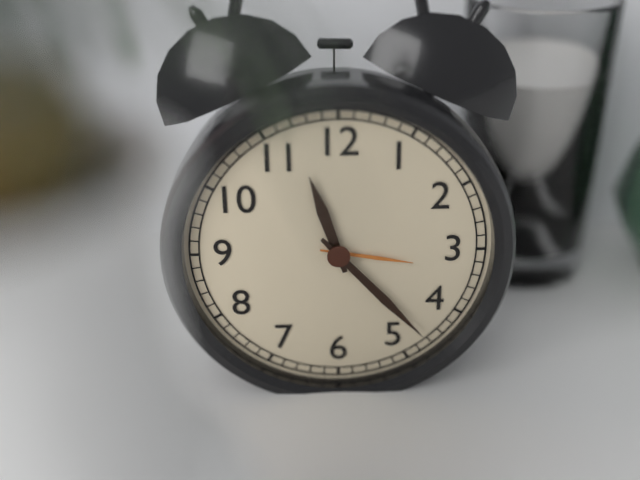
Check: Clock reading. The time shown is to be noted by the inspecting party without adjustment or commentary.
11:23
